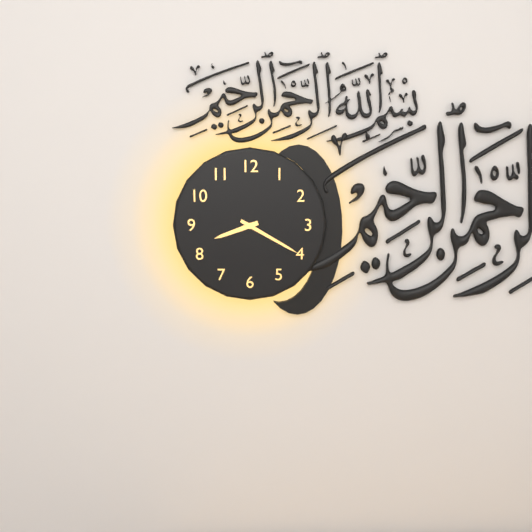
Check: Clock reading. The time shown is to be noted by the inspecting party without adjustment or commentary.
8:20
